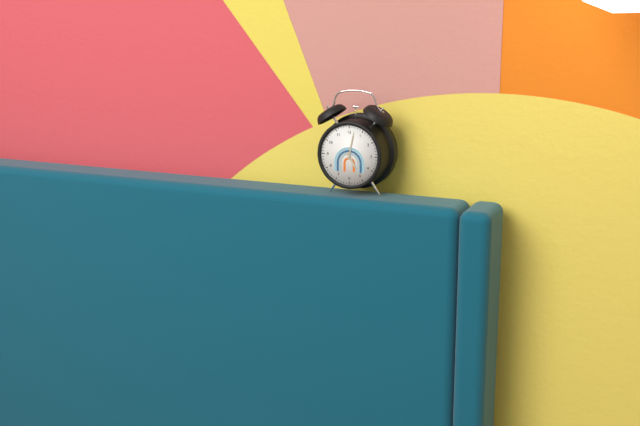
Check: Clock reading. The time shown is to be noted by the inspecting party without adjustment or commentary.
5:02
